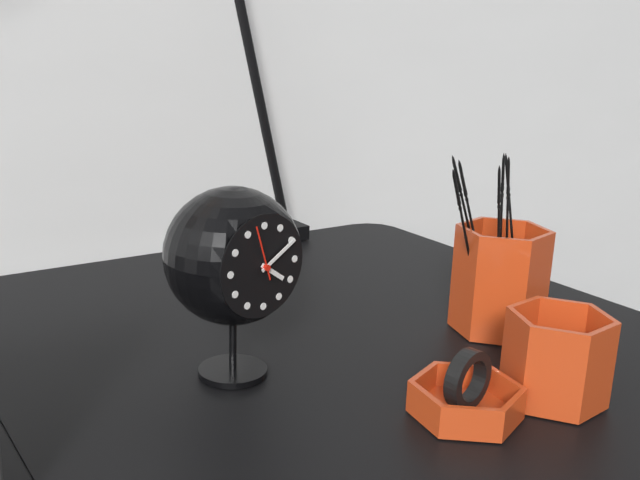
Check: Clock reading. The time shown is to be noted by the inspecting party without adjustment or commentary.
4:10
